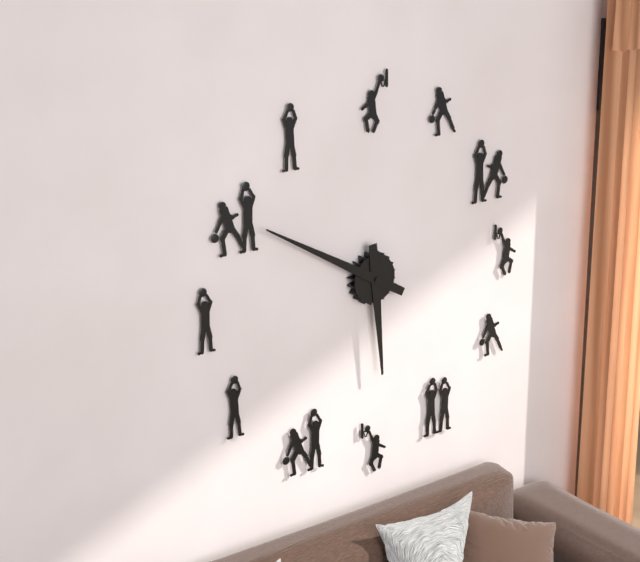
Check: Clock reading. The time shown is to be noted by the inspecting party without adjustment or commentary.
5:50
